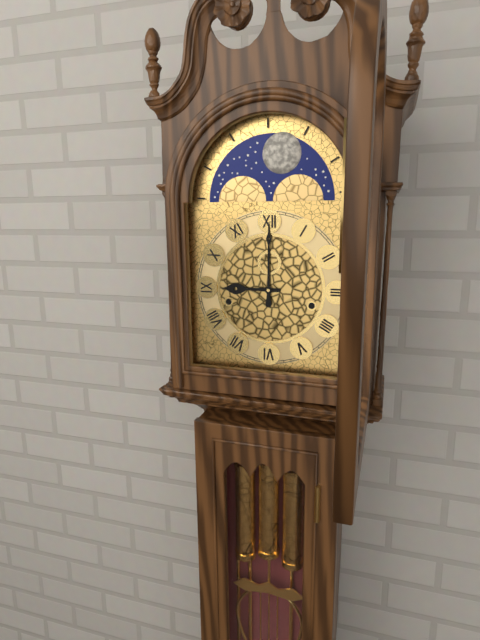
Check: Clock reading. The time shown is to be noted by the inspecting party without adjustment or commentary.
9:00
